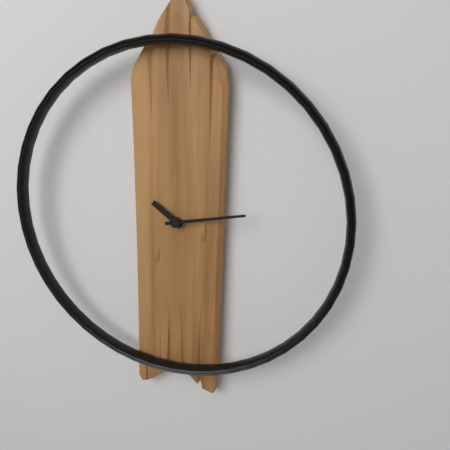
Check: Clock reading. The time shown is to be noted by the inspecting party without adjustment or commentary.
10:13
